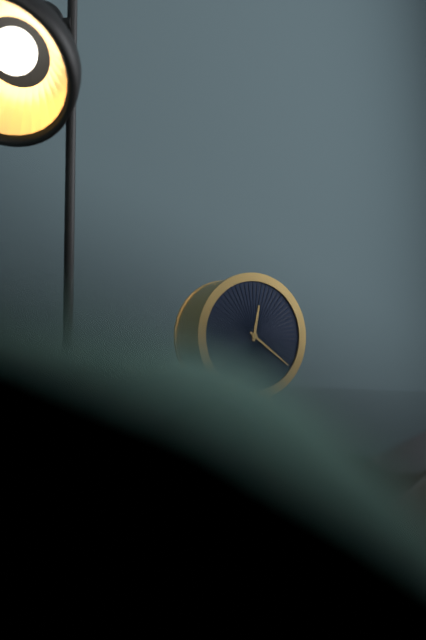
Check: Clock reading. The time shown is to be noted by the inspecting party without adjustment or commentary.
12:21
